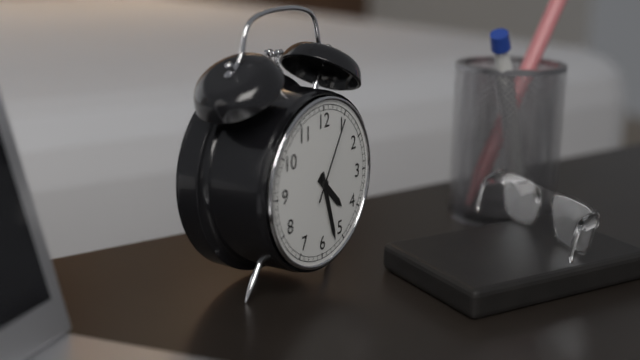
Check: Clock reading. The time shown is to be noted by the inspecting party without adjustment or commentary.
4:27:05
